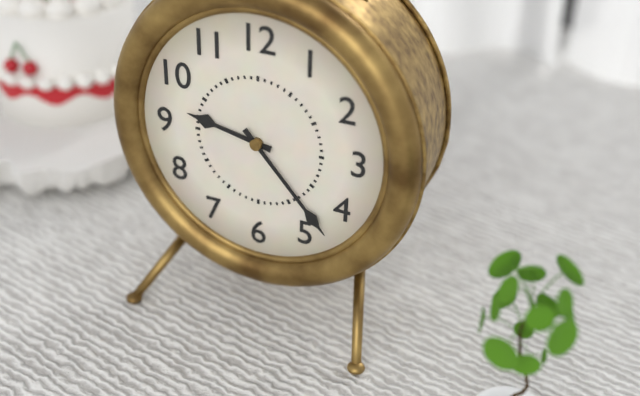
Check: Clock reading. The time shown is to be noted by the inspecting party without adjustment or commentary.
9:23
